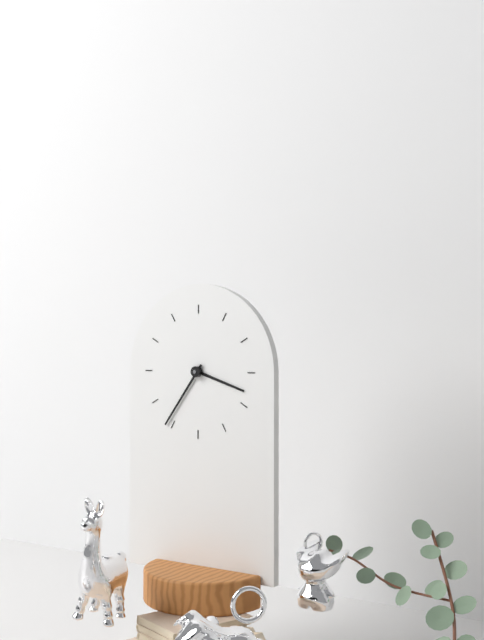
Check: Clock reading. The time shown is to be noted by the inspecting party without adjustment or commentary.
3:36
